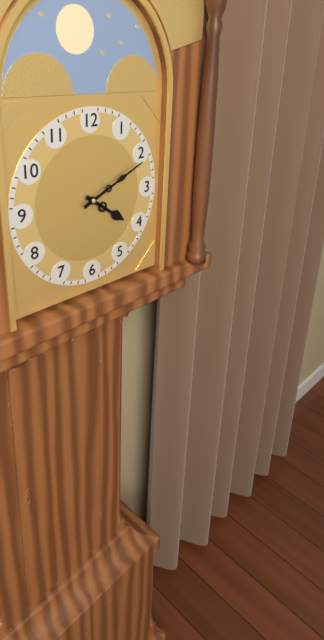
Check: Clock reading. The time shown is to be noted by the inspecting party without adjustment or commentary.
4:11
